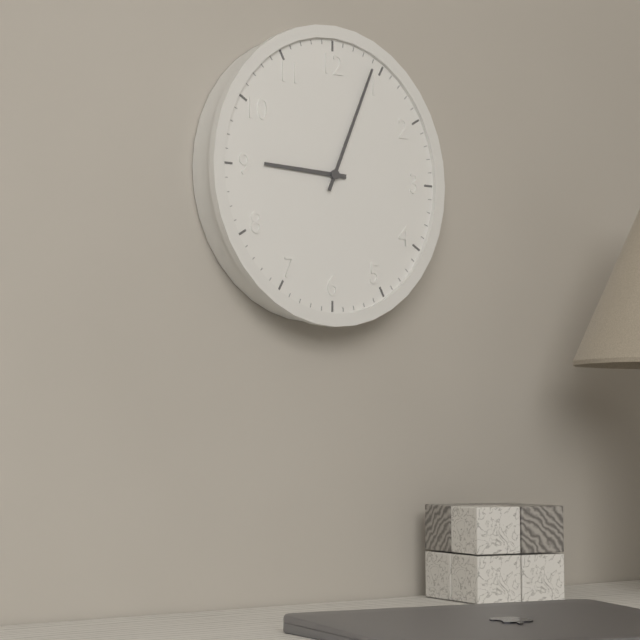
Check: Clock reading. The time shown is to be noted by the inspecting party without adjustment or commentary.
9:04
